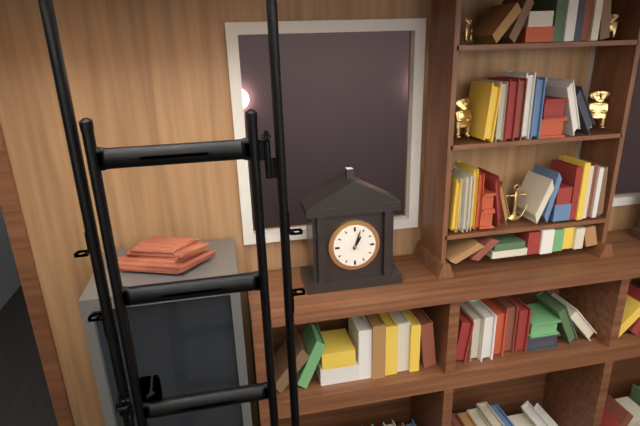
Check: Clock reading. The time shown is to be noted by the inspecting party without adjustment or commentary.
1:03
